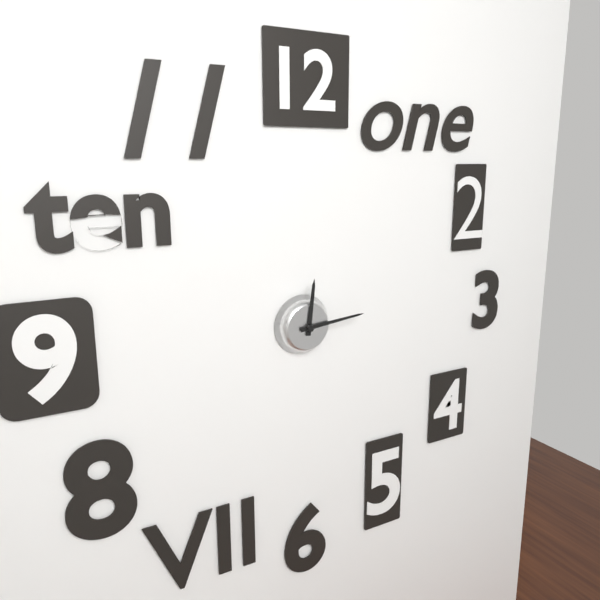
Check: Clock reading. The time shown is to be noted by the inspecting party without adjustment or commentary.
12:14
